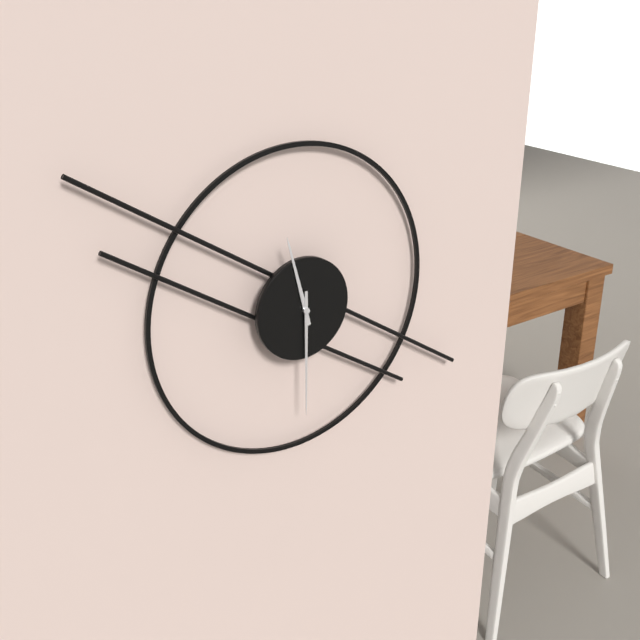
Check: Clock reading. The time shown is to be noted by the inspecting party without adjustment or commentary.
11:30
